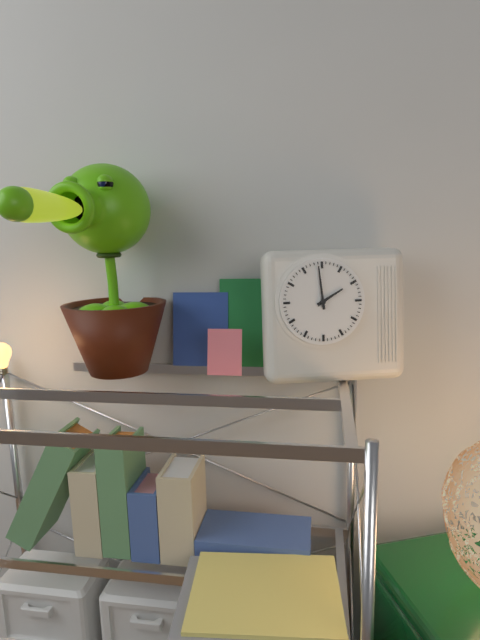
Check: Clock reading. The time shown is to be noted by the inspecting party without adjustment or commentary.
1:59
